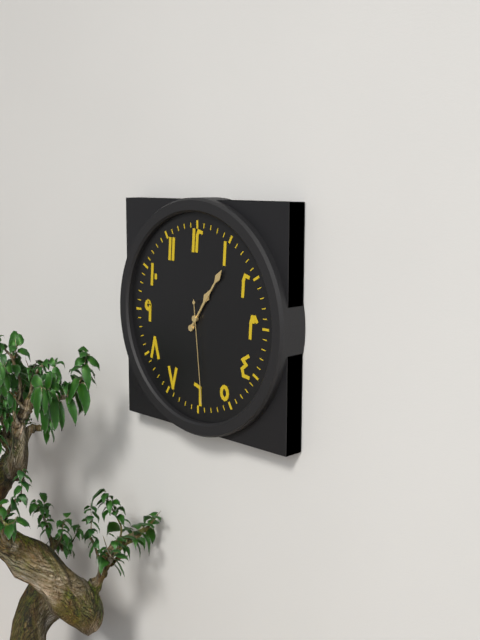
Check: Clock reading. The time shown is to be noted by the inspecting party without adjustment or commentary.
1:06:29
